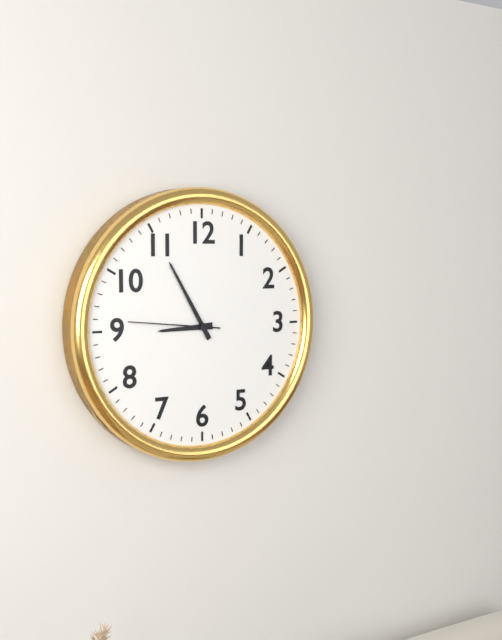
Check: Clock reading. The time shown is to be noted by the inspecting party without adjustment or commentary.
8:55:46
